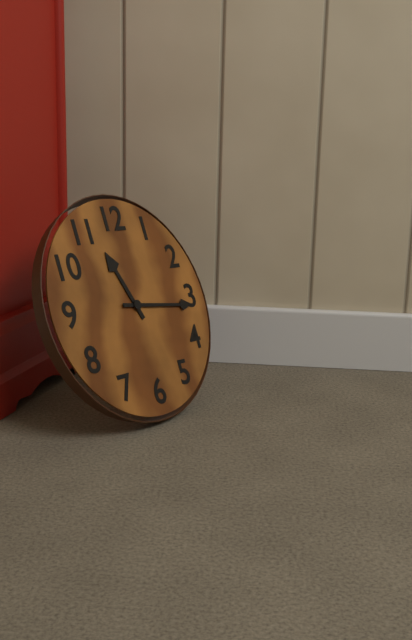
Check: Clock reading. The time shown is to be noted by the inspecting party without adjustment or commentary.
11:16
